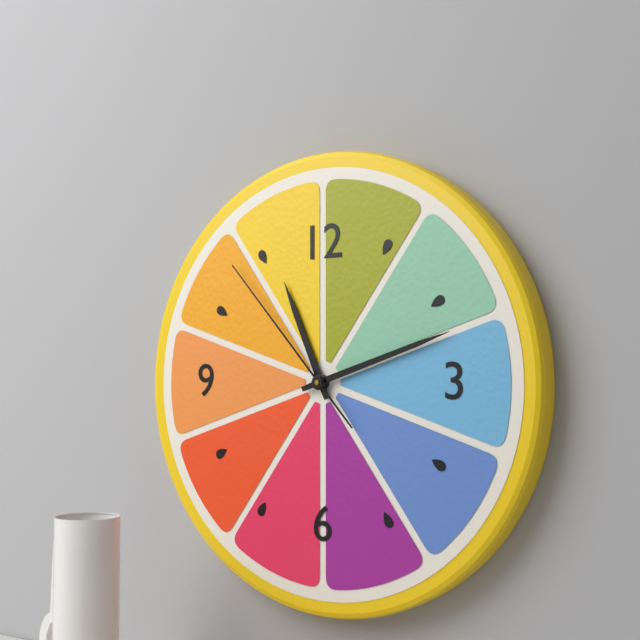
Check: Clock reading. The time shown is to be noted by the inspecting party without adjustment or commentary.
11:12:53
